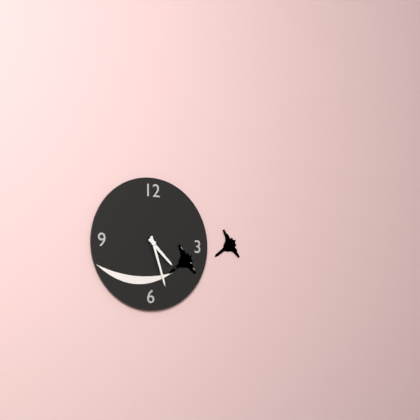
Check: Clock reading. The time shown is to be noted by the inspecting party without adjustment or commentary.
4:27
